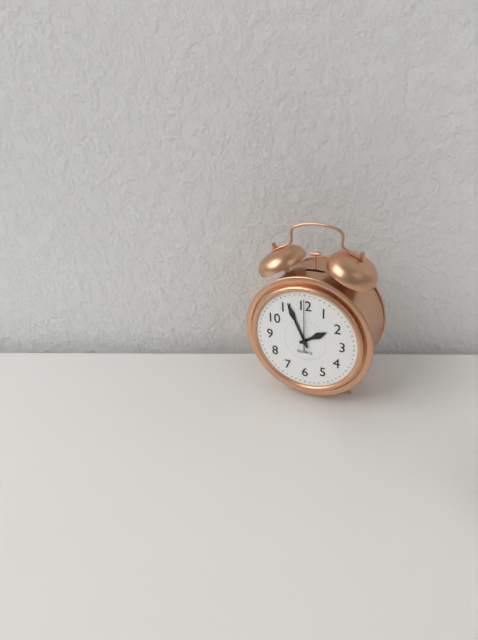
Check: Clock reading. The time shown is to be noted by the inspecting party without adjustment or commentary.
1:56:00
